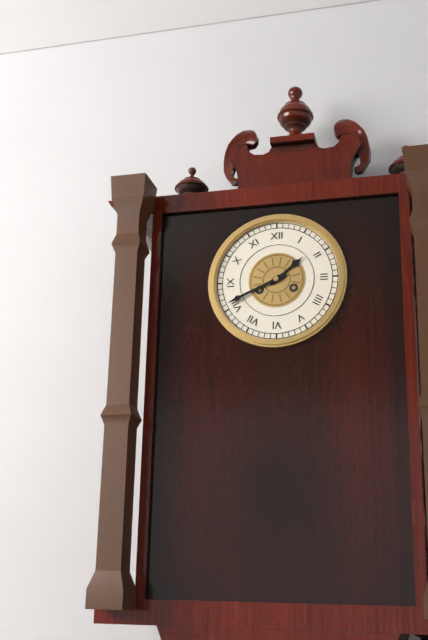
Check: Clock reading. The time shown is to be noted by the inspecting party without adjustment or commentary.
1:41
